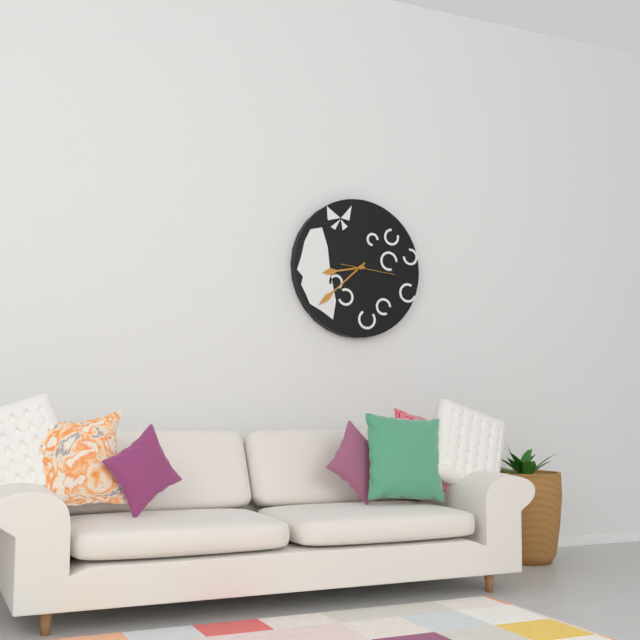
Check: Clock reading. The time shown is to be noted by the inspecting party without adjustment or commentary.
8:38
